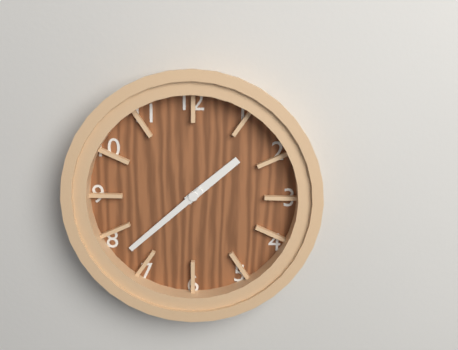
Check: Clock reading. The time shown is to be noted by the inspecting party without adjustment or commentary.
1:38
